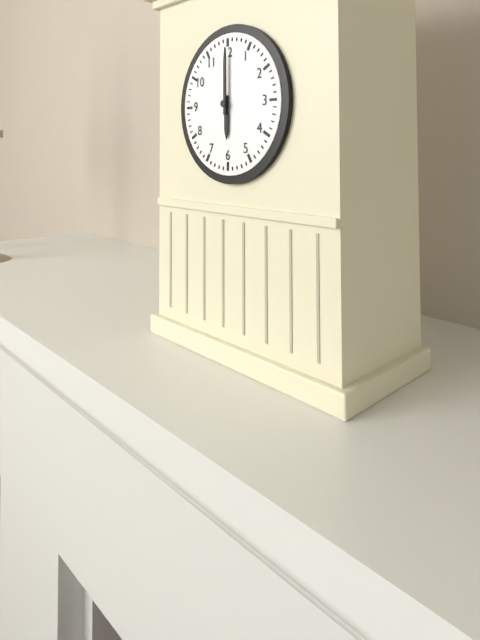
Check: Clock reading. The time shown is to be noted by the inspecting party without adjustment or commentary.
6:00
